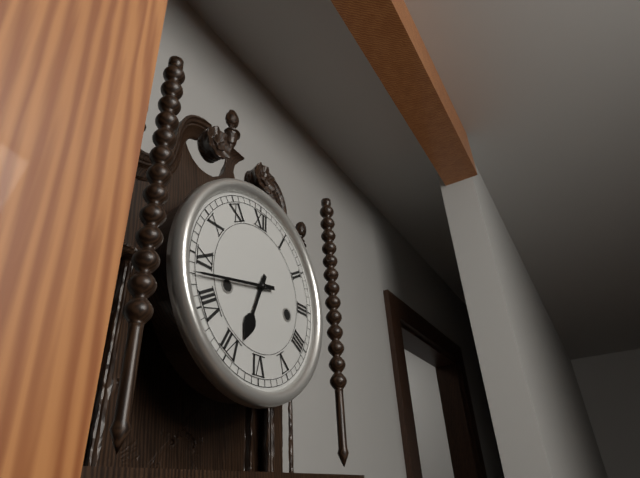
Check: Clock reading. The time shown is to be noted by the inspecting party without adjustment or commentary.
6:43
